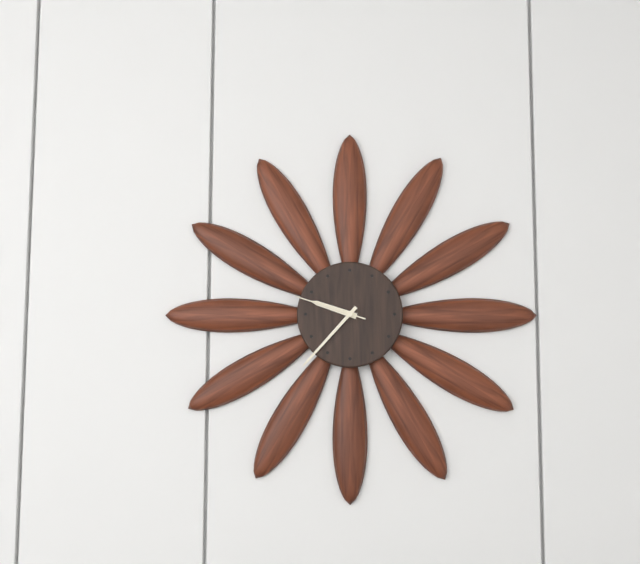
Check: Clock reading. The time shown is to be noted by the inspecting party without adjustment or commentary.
9:37:48
